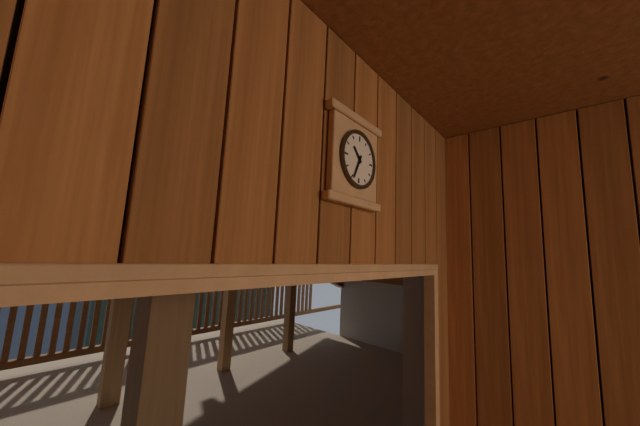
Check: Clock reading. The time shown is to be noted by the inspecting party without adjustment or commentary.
10:34
